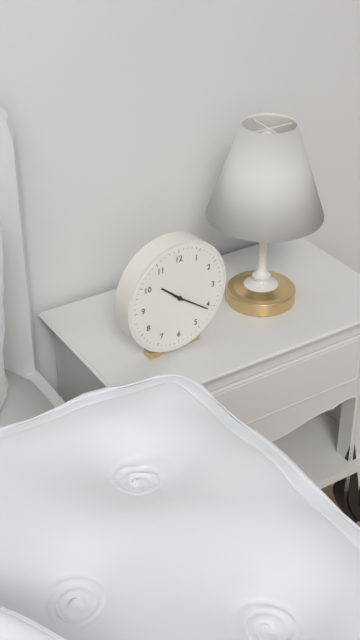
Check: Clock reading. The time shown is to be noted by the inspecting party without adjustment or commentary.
10:21
